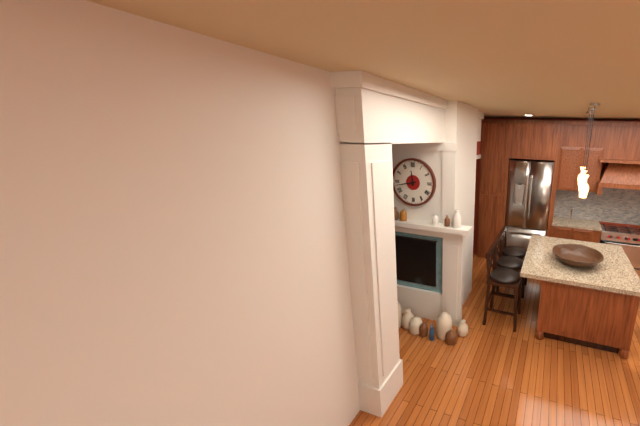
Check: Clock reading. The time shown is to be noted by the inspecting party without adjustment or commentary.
11:43
